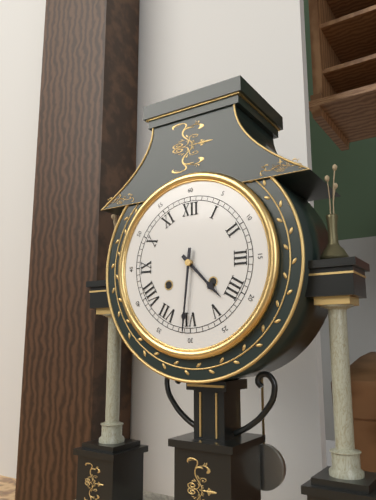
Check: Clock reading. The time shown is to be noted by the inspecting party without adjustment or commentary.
4:31
